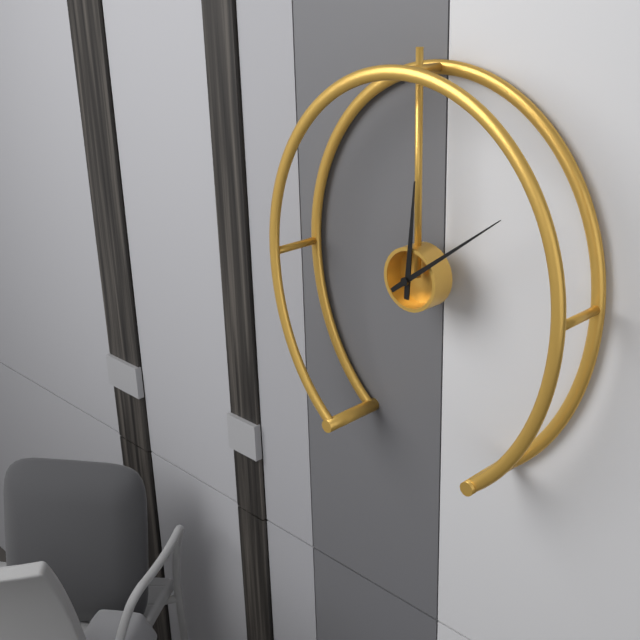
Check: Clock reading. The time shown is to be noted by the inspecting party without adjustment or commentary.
12:09
